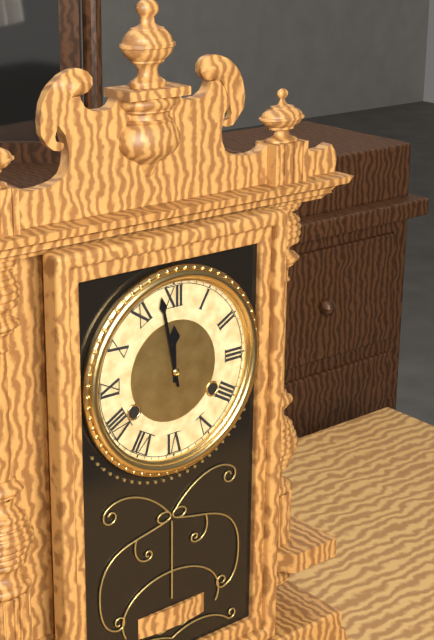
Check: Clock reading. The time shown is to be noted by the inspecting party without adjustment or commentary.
11:58
